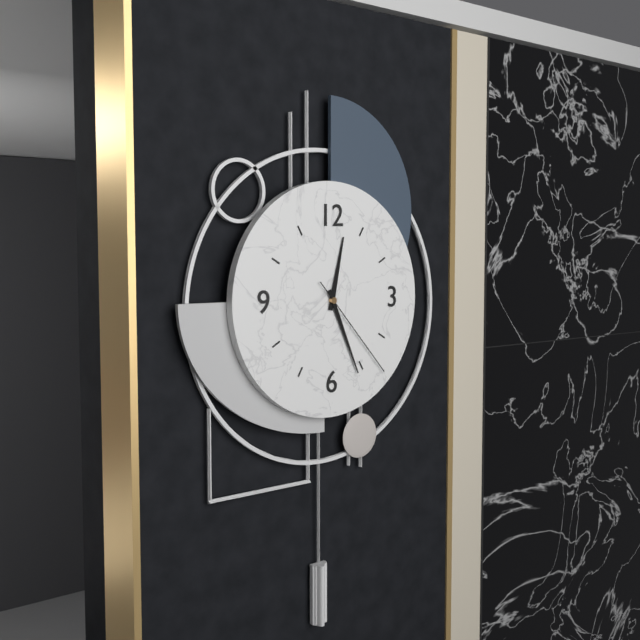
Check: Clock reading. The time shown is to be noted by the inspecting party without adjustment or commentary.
12:26:23
